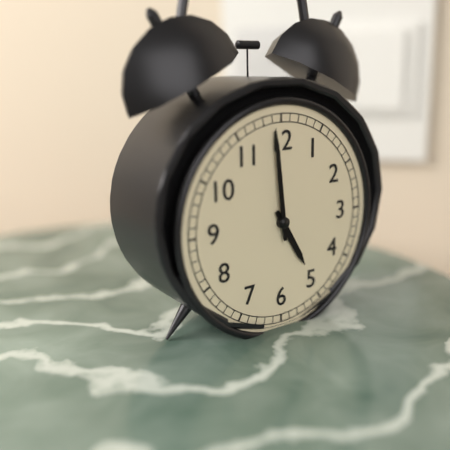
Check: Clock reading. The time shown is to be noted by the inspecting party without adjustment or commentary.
4:59
